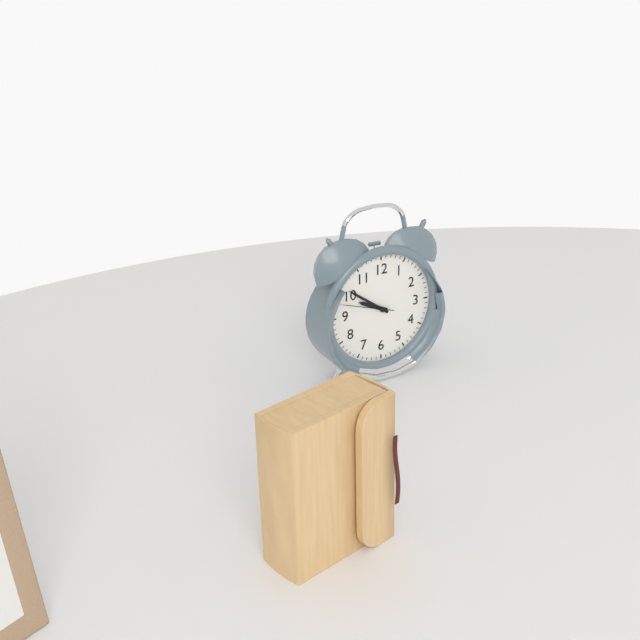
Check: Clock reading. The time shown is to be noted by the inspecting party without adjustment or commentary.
9:51:48
